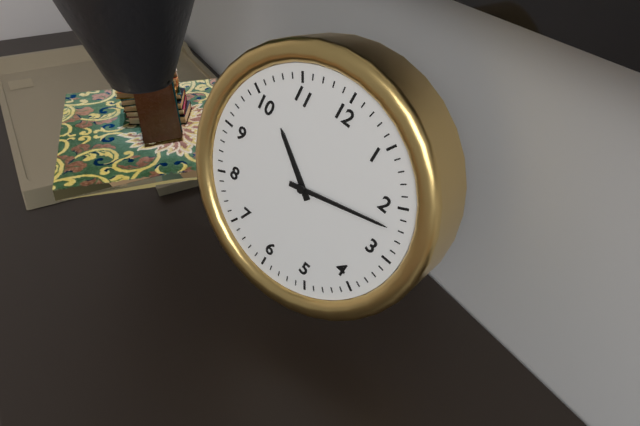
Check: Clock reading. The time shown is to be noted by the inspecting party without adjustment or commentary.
10:12
